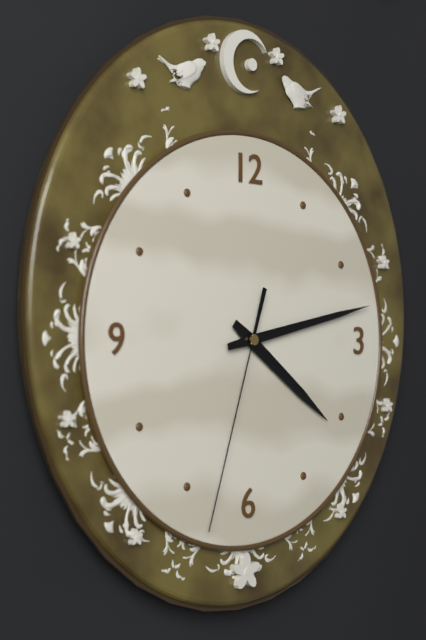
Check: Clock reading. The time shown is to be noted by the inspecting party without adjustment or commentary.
4:13:33
